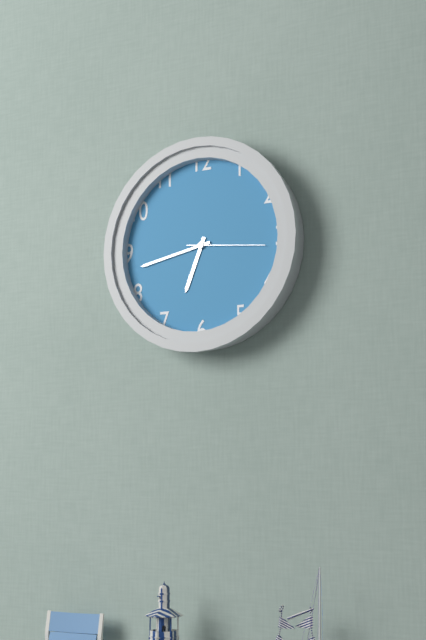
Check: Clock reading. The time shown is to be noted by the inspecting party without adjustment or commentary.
6:43:16
